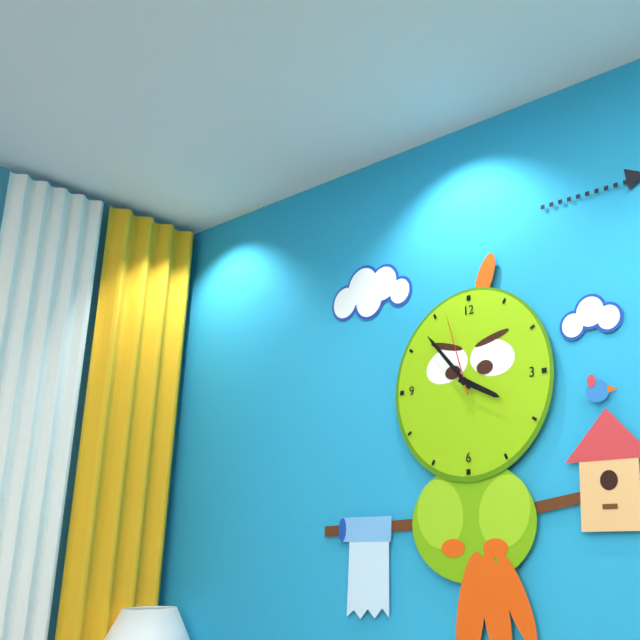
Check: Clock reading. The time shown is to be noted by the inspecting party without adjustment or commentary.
3:53:57
